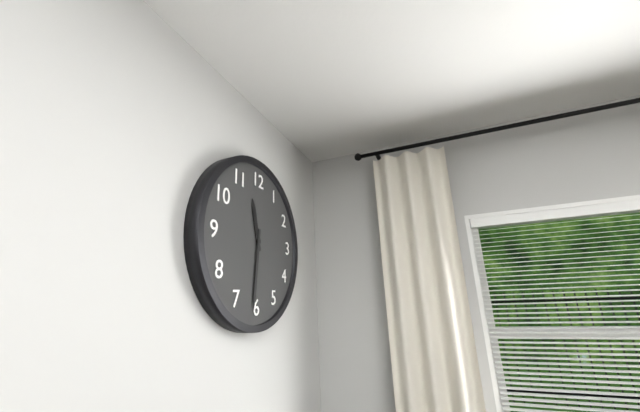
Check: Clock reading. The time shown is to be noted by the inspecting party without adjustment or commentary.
11:31
